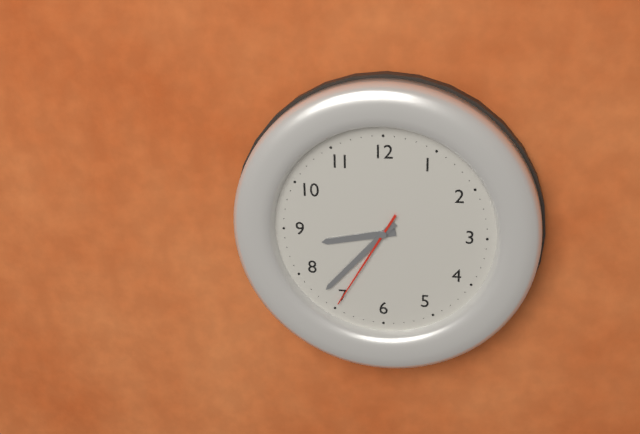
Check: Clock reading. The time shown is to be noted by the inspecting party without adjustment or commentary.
8:37:35
